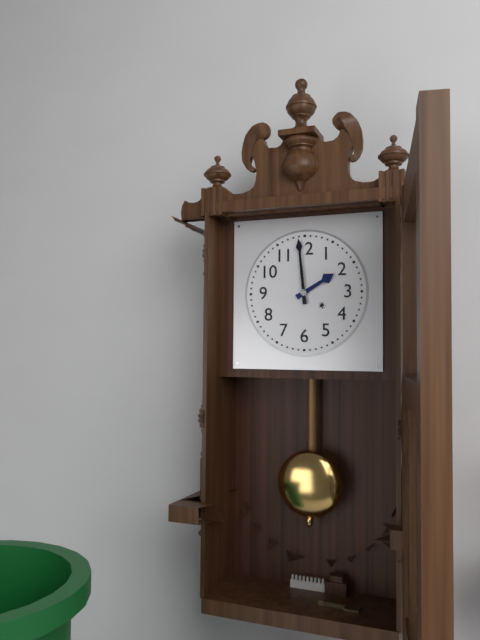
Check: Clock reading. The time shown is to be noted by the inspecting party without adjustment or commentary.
1:59
